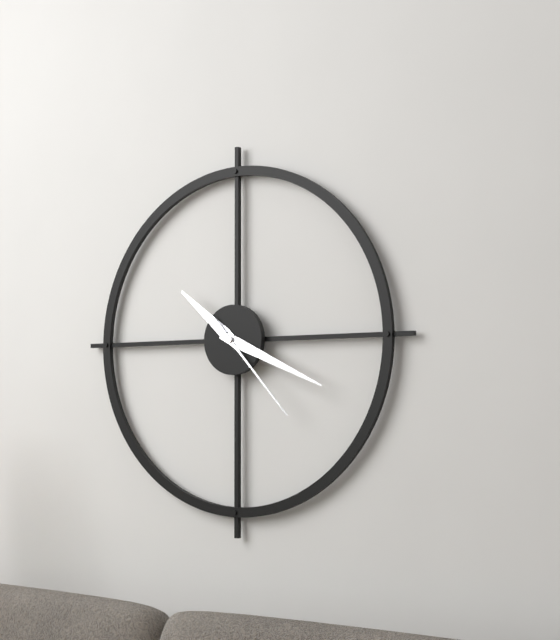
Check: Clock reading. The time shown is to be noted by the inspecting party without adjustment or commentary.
10:19:23
